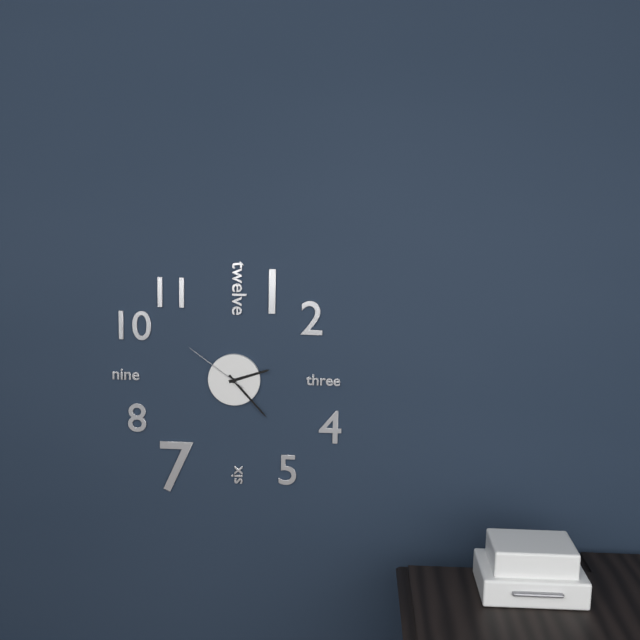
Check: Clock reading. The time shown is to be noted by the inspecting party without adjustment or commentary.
2:23:51
